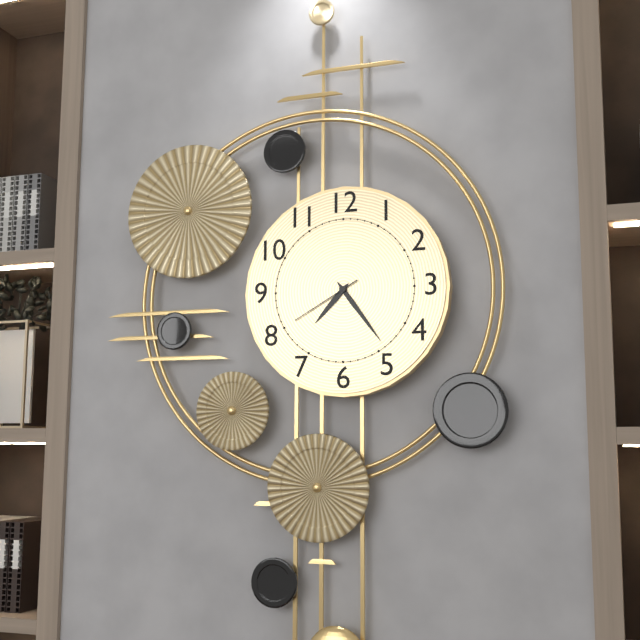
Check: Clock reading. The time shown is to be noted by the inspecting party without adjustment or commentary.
7:24:40
